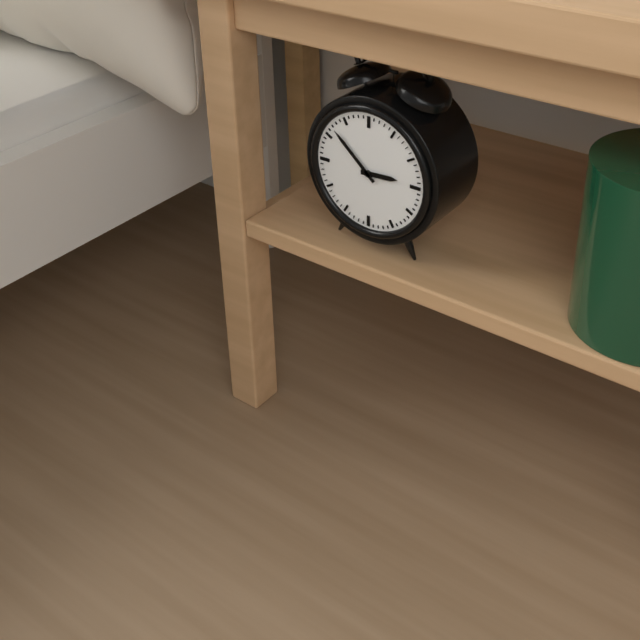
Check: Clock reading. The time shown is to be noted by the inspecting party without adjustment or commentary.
2:52
